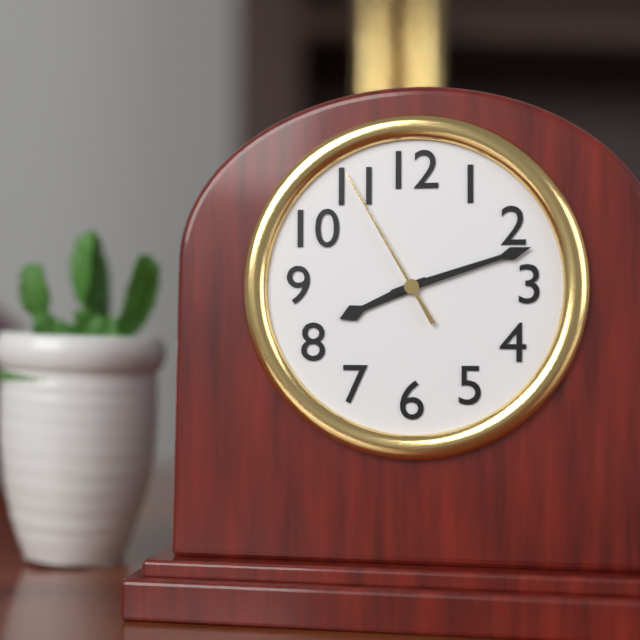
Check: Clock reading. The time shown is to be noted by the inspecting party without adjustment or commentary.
8:12:55
